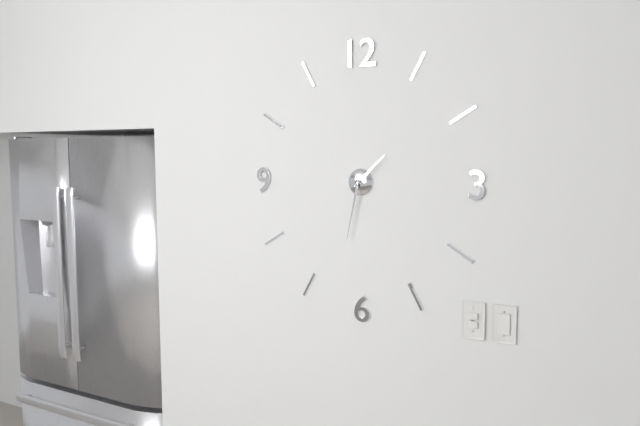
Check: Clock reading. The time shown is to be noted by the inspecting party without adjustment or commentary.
1:32
